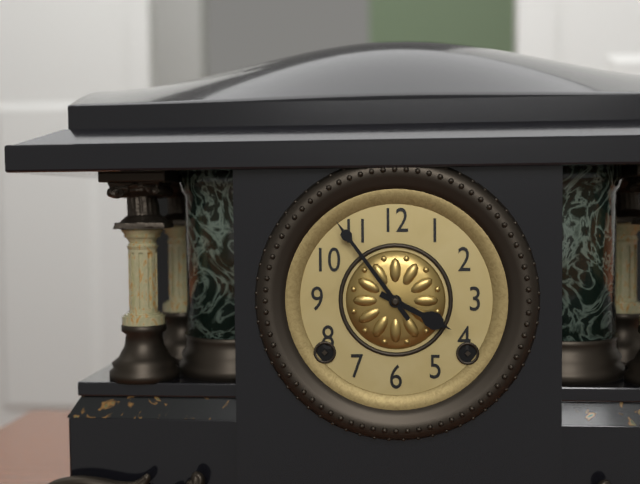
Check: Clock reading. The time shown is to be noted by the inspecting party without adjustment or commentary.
3:54
